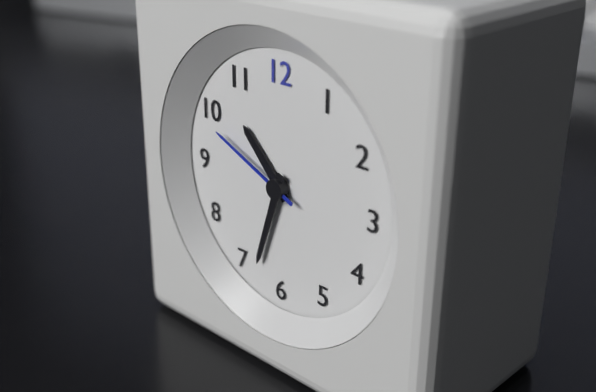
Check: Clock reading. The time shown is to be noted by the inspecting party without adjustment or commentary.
10:33:49
